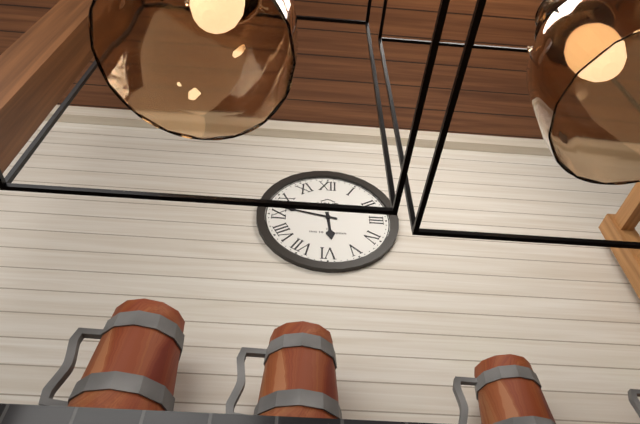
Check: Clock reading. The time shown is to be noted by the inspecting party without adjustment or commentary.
5:47
